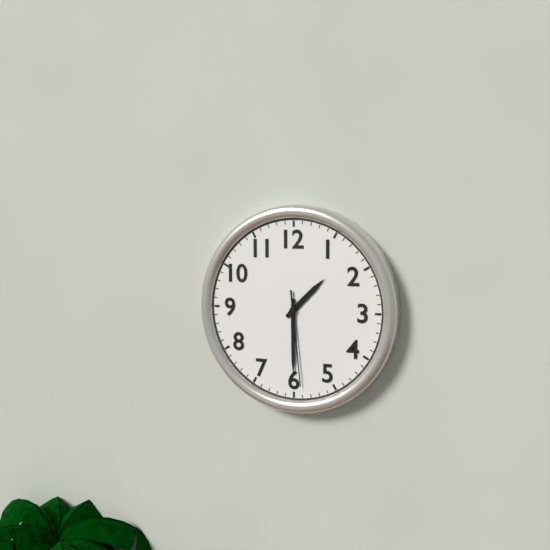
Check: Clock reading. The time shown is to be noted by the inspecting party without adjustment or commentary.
1:30:29
